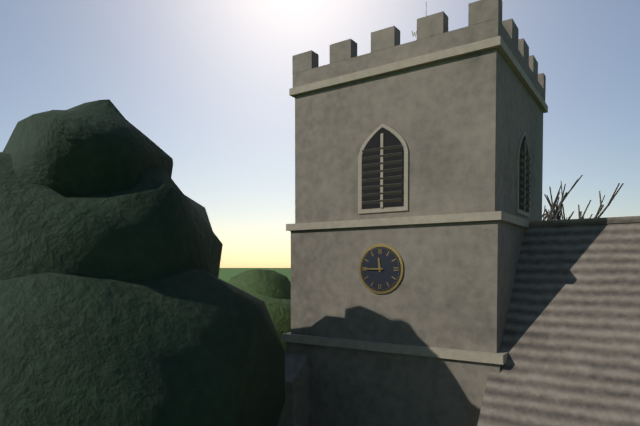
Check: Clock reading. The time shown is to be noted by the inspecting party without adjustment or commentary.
11:45
